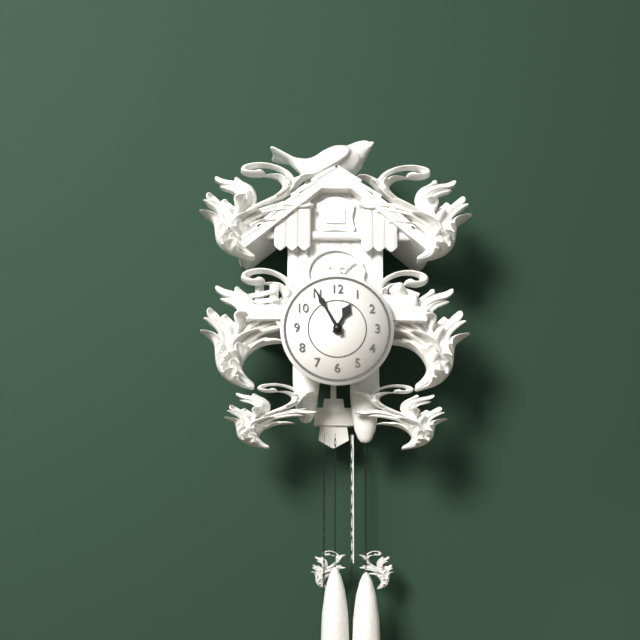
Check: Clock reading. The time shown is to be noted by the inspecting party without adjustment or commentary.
12:55
